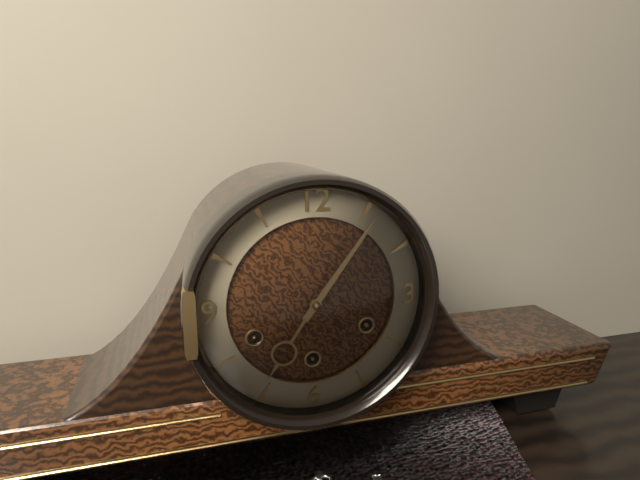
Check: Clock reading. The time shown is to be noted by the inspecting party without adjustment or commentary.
7:06
